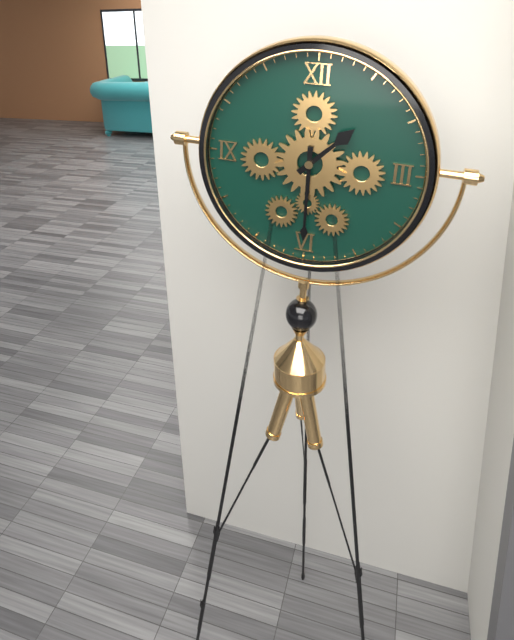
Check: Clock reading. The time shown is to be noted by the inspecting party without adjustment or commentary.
1:30
